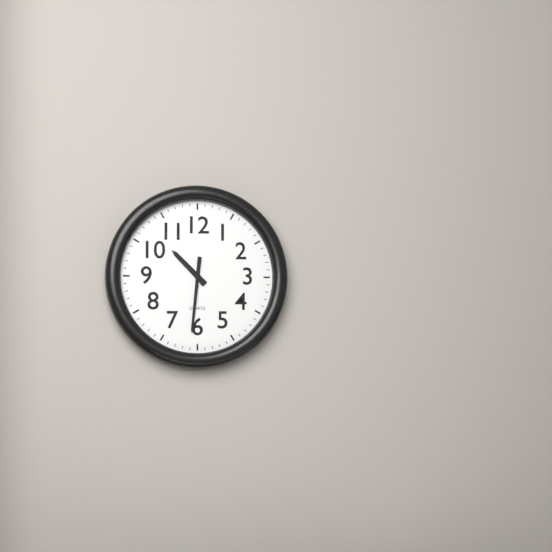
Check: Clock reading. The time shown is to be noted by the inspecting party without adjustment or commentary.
10:31
